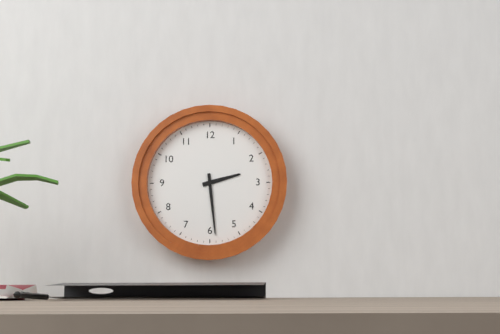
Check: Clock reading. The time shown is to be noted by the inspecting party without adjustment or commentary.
2:29
